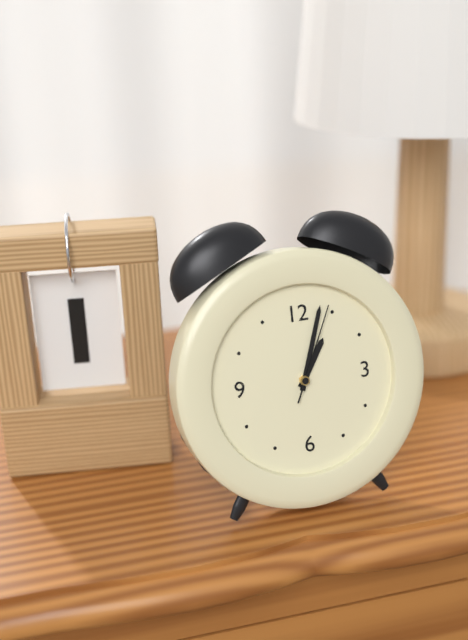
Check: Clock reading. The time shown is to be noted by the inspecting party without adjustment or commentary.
1:03:04
